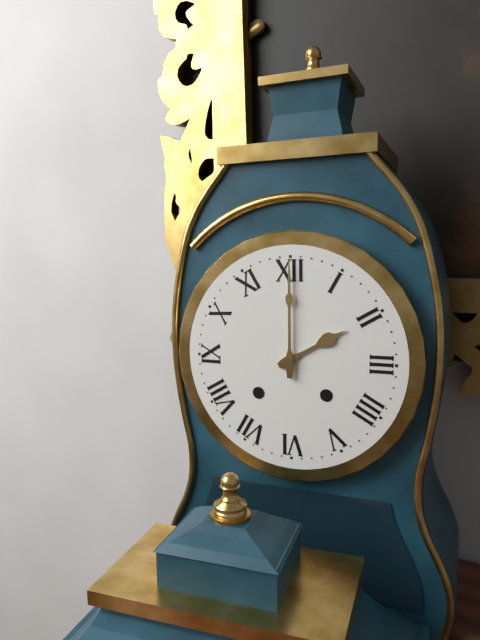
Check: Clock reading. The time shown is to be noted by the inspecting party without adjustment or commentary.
2:00
